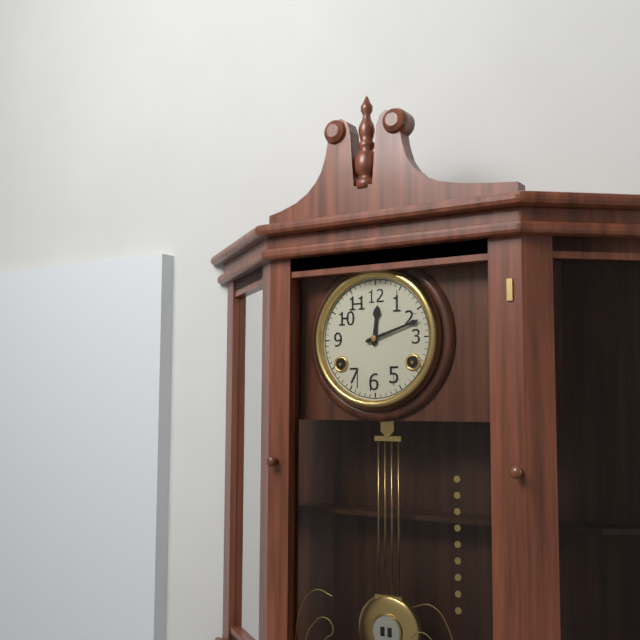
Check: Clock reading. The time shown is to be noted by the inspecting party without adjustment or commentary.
12:12
